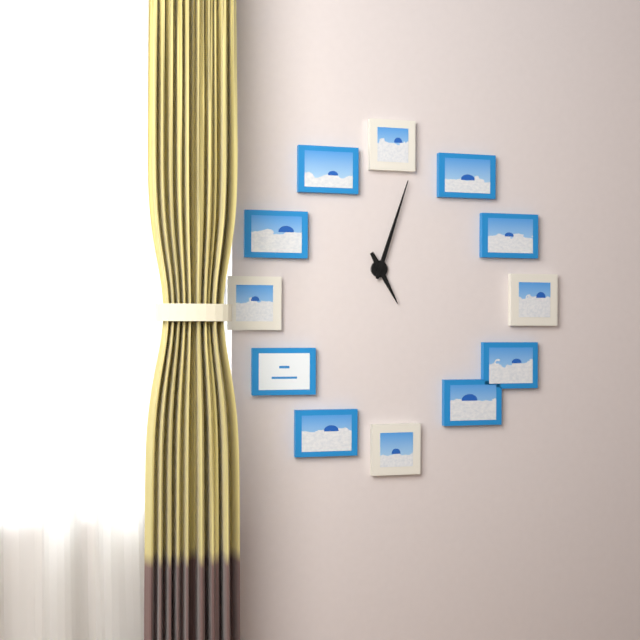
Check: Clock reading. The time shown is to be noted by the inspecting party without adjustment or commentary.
5:03
